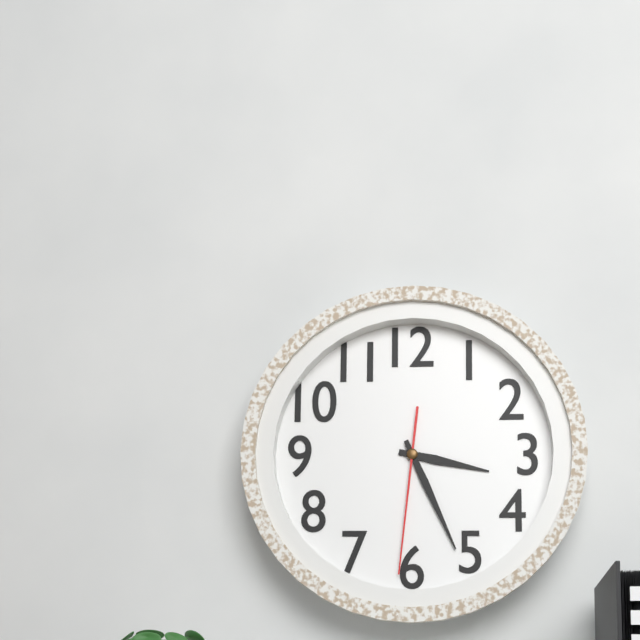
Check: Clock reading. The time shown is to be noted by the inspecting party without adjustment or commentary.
3:26:31
